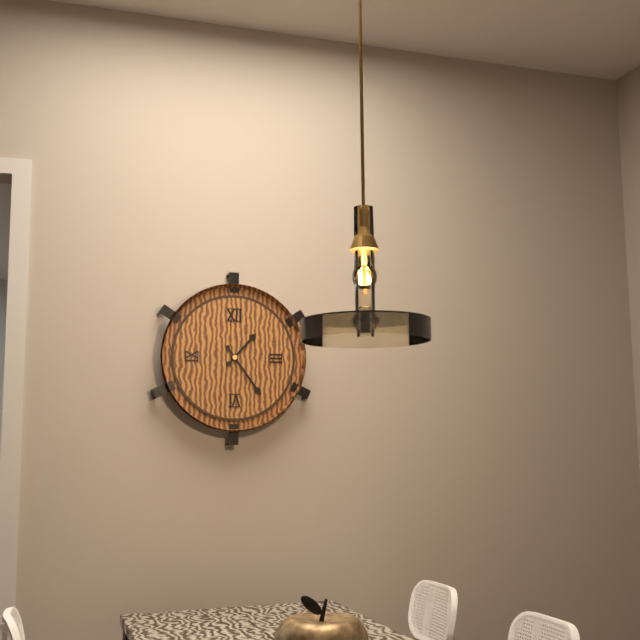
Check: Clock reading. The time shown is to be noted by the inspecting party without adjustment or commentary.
1:24
